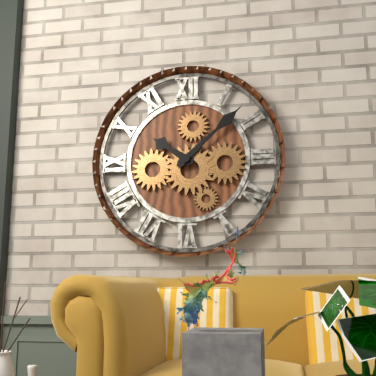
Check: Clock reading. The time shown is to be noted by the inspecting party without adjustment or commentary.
10:08
